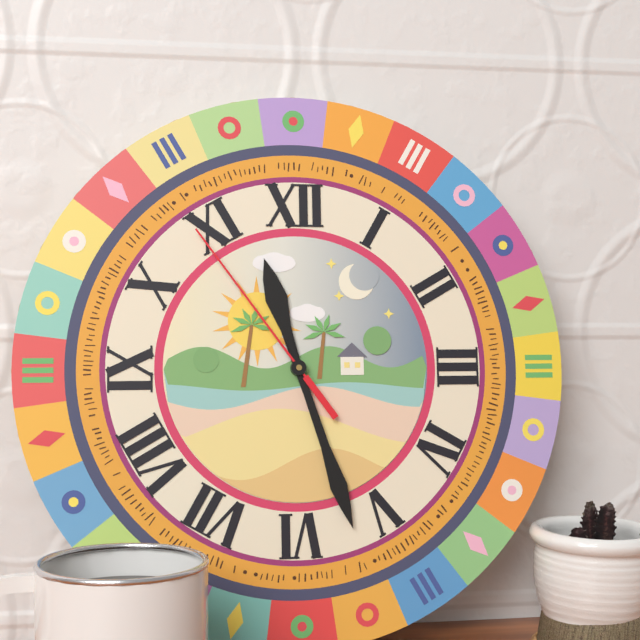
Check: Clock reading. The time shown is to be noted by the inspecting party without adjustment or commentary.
11:27:54
